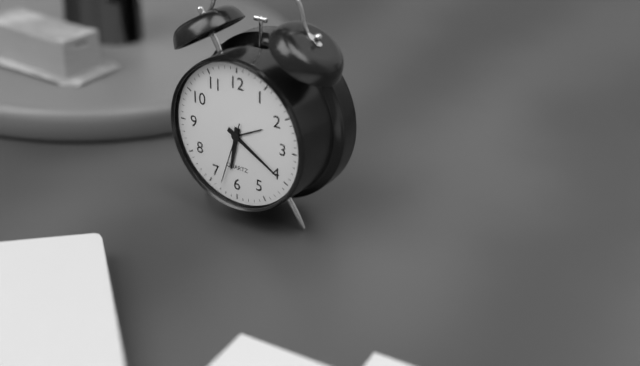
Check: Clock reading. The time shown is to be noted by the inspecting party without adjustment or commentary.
6:20:33
